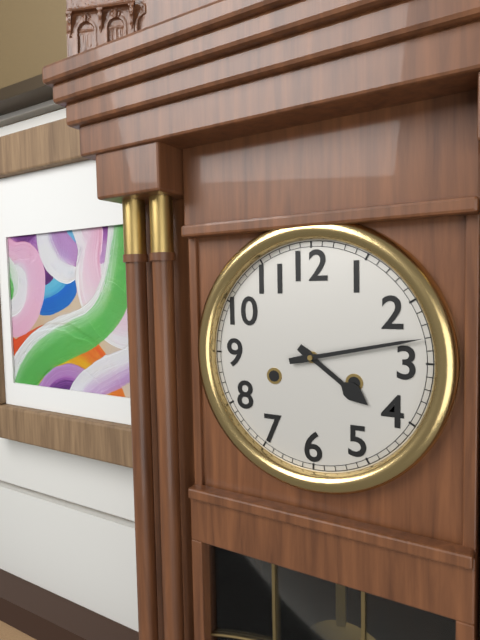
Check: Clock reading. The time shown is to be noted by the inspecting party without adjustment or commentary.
4:13
